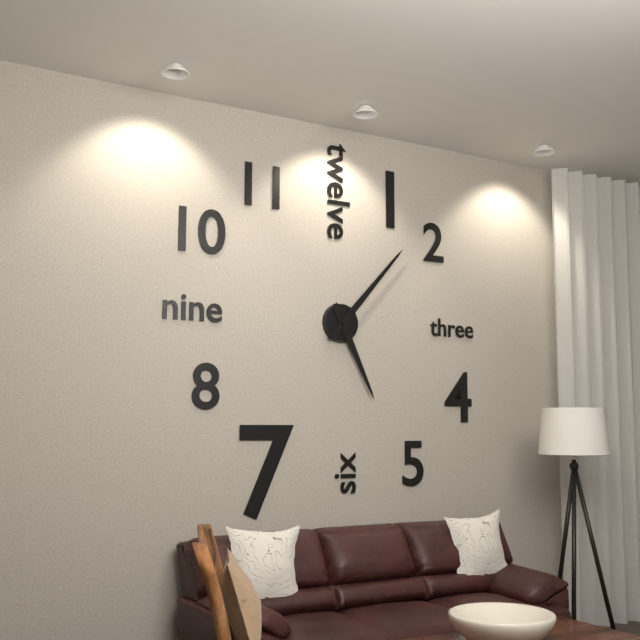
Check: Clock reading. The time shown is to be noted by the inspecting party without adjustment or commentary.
5:07
